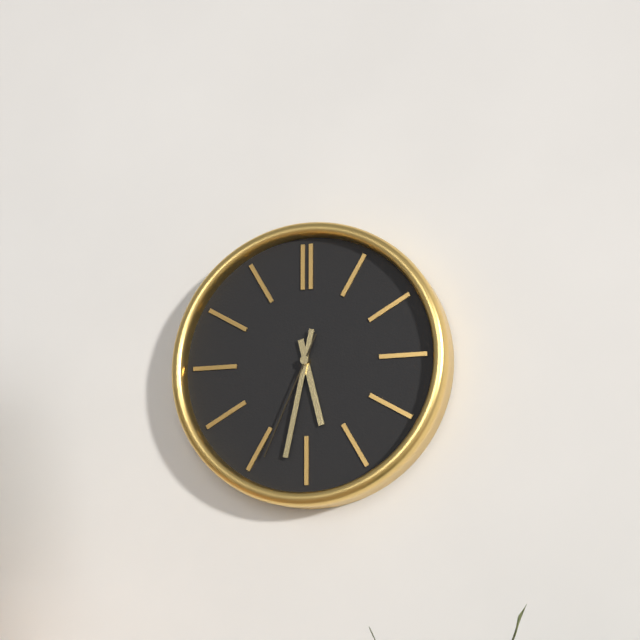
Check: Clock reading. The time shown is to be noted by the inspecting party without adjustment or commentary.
5:32:34
